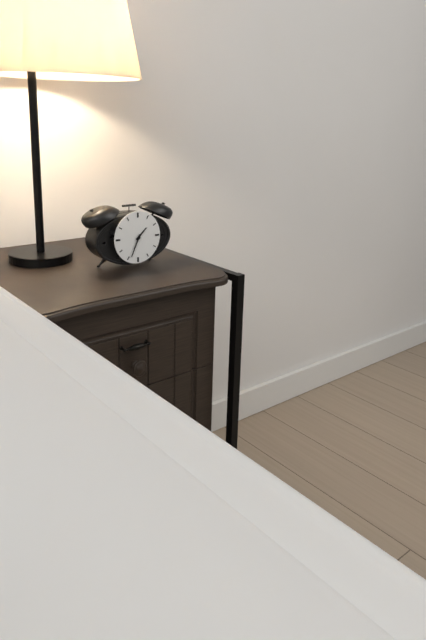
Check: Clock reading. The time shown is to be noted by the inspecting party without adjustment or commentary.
1:34
